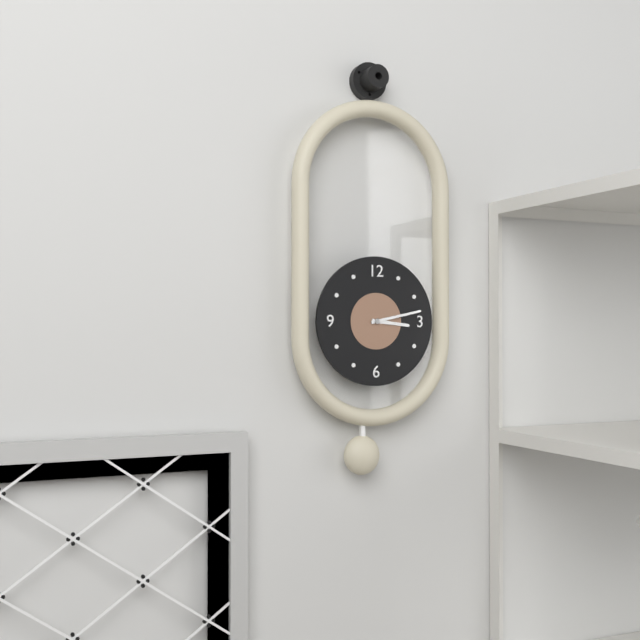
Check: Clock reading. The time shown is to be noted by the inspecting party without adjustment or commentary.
3:13
